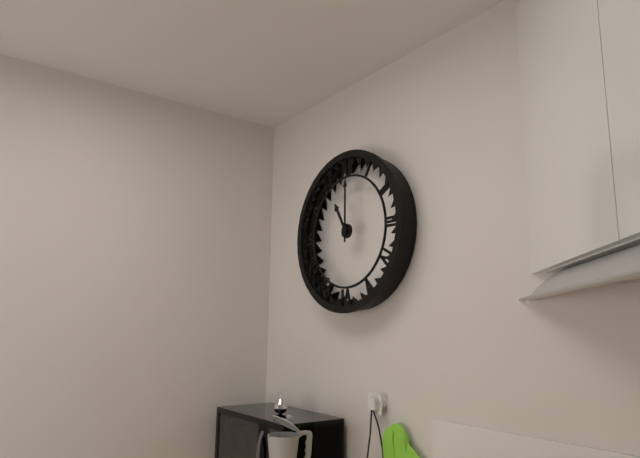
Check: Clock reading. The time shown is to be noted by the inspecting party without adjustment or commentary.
11:00
